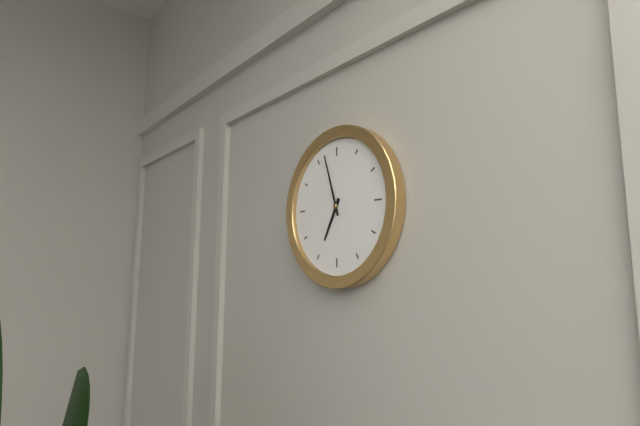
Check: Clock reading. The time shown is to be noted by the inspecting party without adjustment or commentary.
6:57
